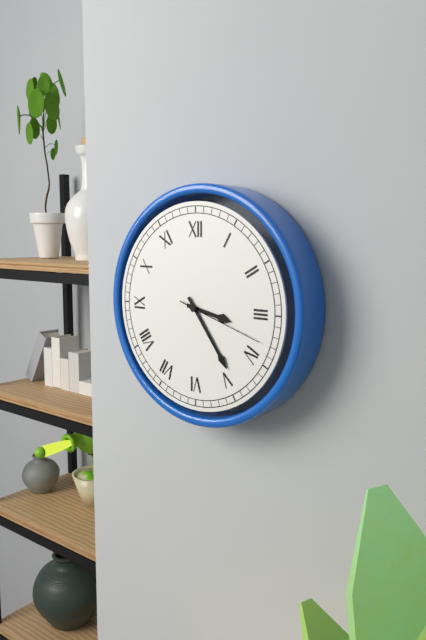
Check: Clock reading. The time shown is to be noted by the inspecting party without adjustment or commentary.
3:24:18
